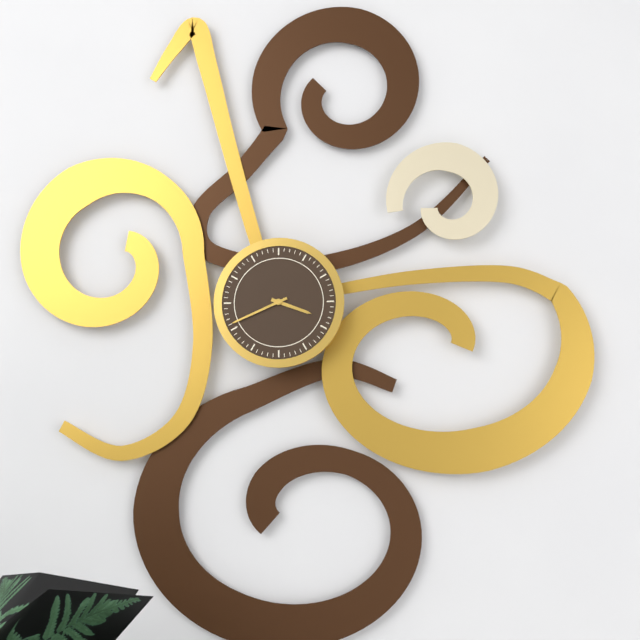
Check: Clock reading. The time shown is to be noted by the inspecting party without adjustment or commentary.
3:41
